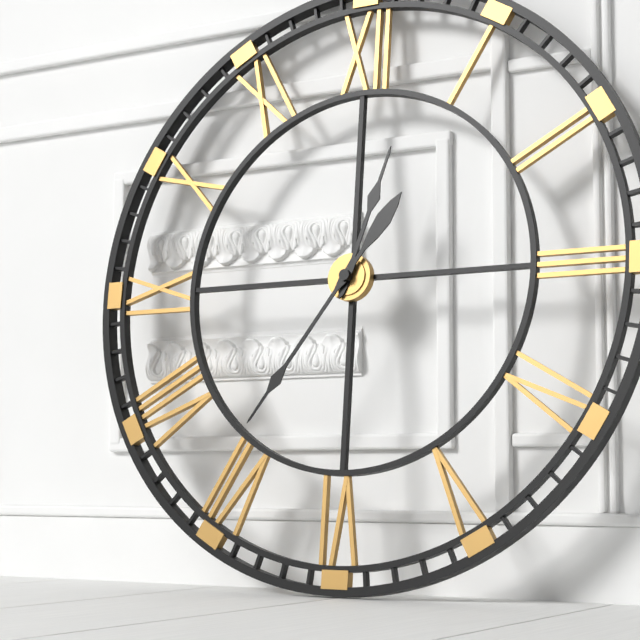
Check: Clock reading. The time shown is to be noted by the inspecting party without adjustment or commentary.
12:36
